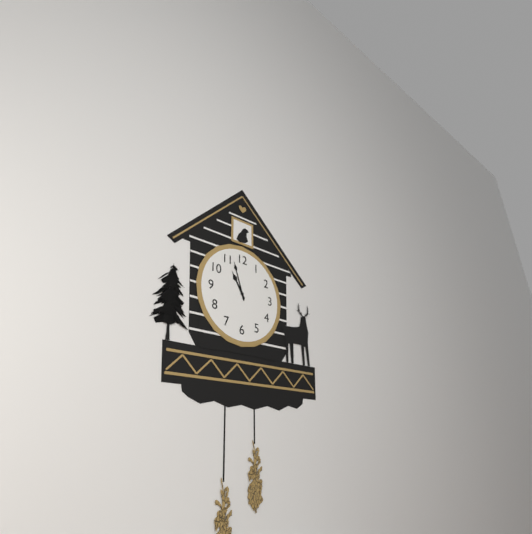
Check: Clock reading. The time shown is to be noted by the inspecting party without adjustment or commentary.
10:57
